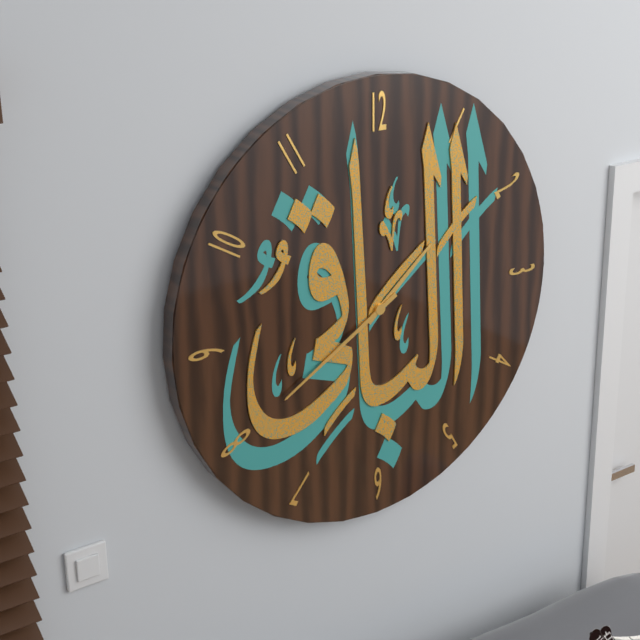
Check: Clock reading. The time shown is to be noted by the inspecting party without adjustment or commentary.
1:40
